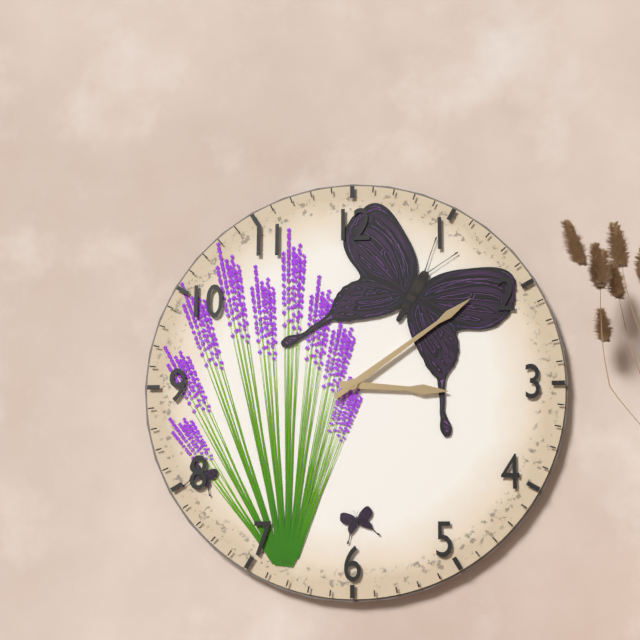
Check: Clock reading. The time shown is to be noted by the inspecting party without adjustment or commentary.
3:09
